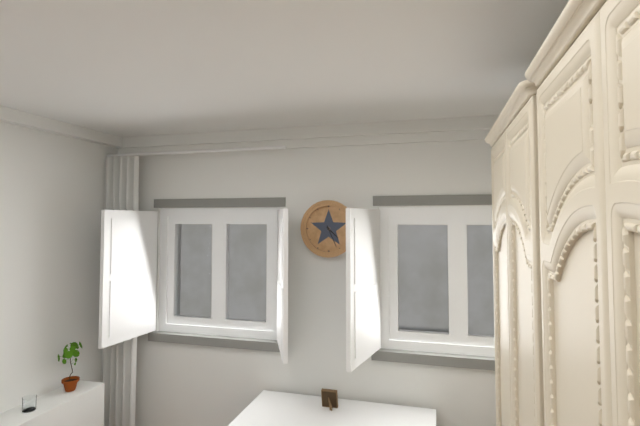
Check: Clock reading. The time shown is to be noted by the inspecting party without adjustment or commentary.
4:26
